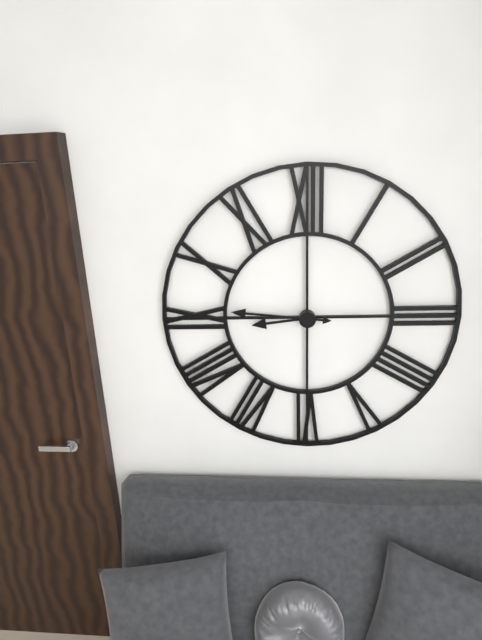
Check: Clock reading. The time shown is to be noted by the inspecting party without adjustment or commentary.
8:46
